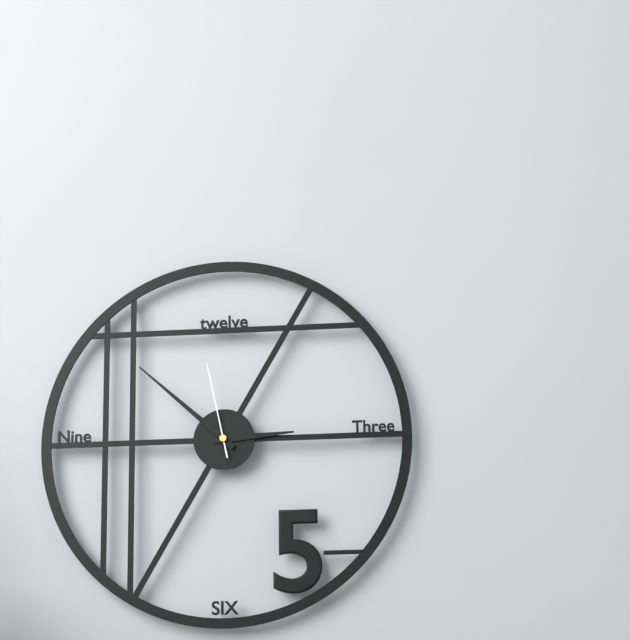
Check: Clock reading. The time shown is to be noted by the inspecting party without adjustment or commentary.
2:52:58
